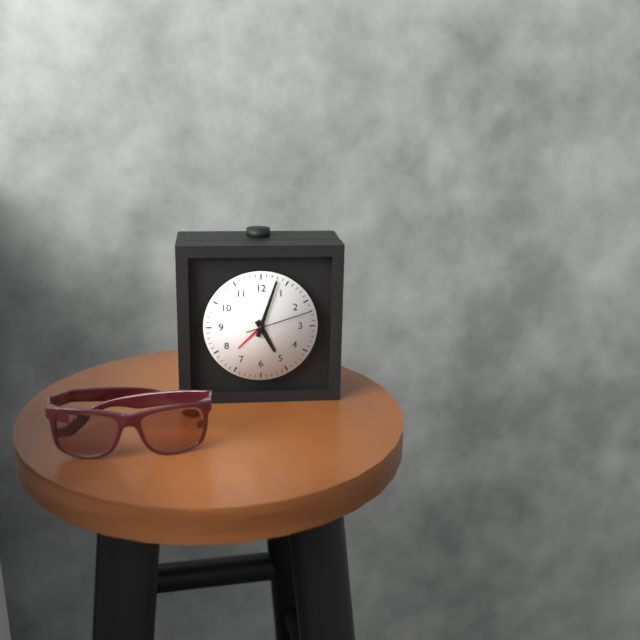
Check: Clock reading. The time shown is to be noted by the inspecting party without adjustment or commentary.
5:03:12
